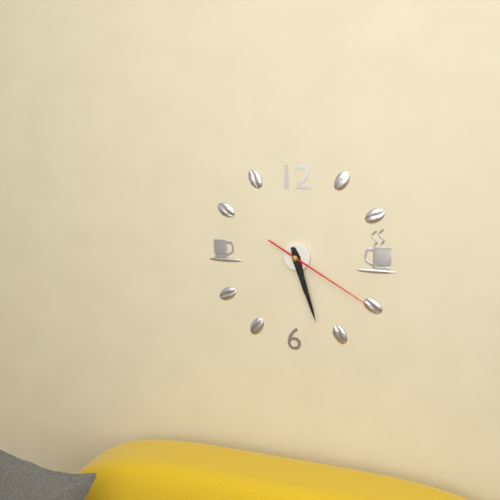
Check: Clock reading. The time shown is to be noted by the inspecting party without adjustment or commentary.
5:27:20
